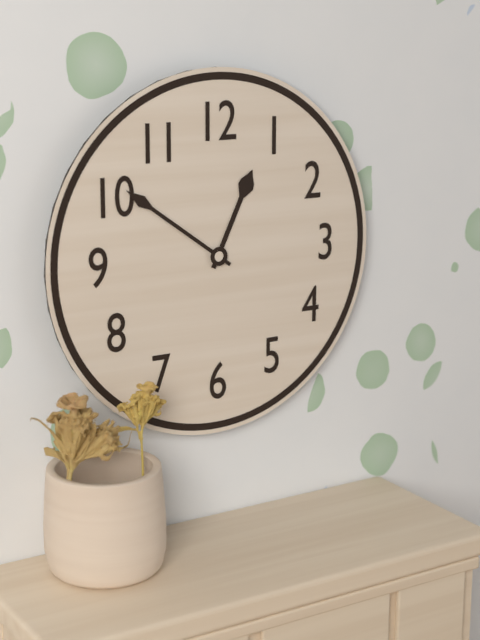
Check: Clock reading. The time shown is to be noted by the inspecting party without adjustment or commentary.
12:51
